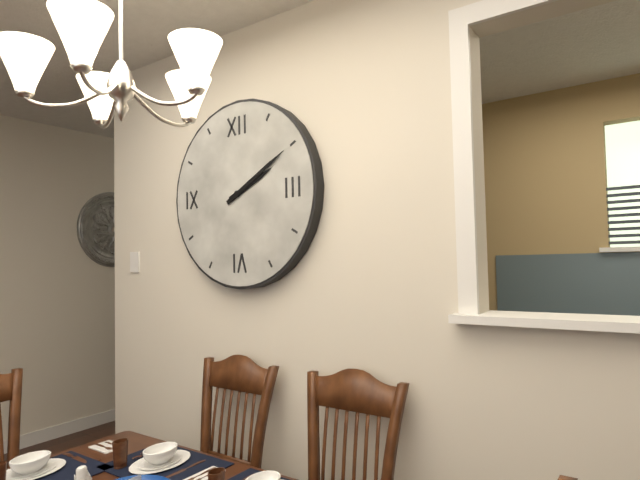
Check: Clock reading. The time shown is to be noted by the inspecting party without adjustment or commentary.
2:10
